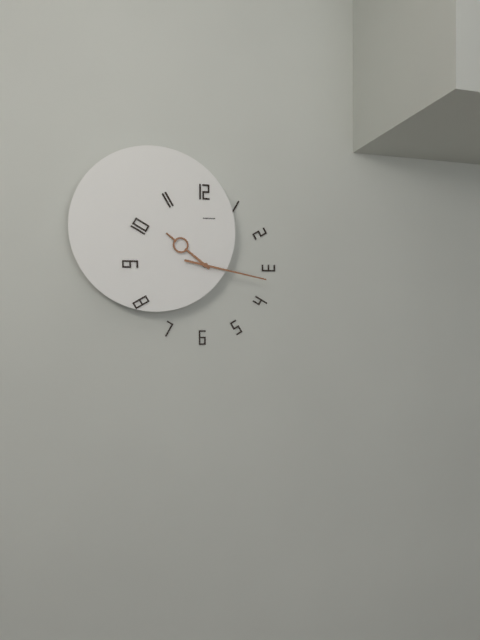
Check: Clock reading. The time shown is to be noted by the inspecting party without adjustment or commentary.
10:17
